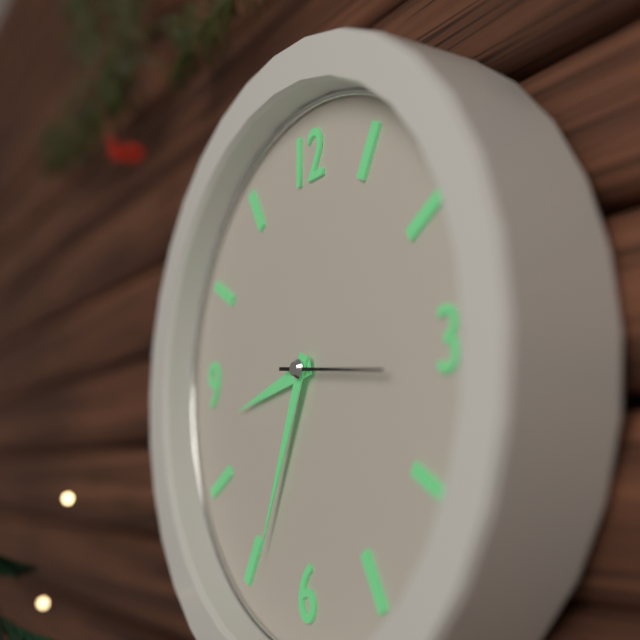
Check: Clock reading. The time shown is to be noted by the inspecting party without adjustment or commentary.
8:34:16
